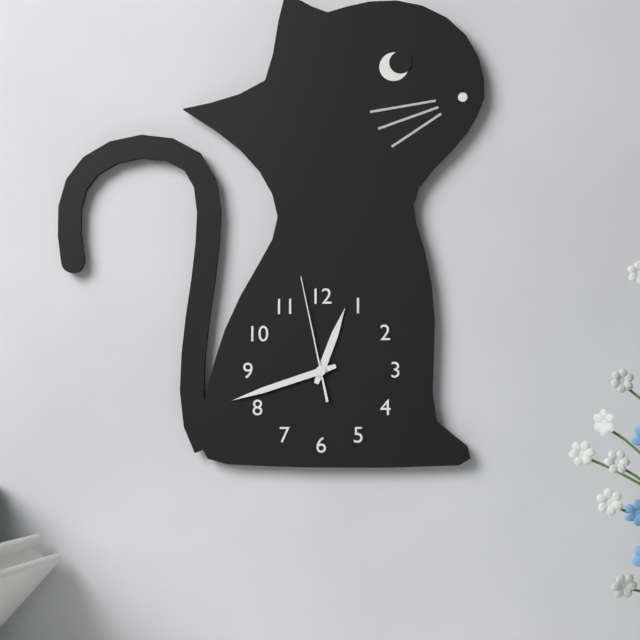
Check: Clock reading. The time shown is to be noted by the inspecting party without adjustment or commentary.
12:42:58
